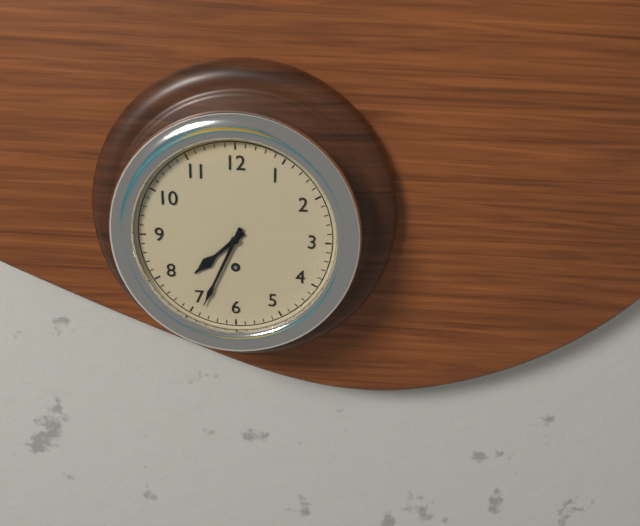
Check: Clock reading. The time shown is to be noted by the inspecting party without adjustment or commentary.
7:34
